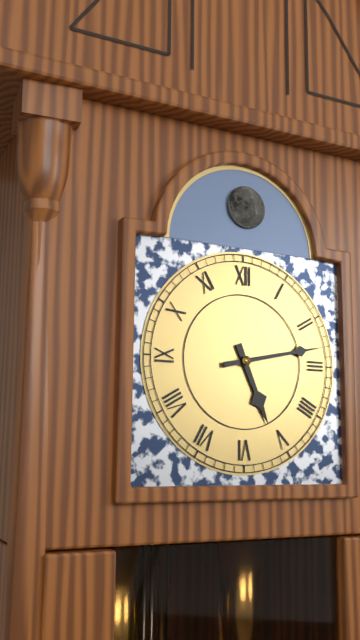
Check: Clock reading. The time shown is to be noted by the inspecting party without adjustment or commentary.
5:13
